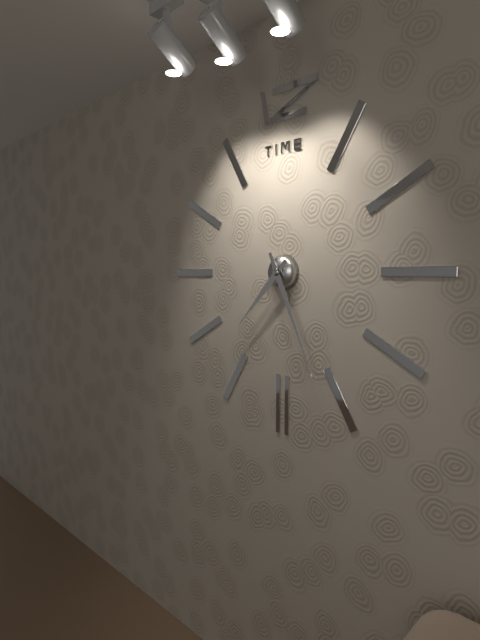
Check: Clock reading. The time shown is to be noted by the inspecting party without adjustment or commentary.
7:26
